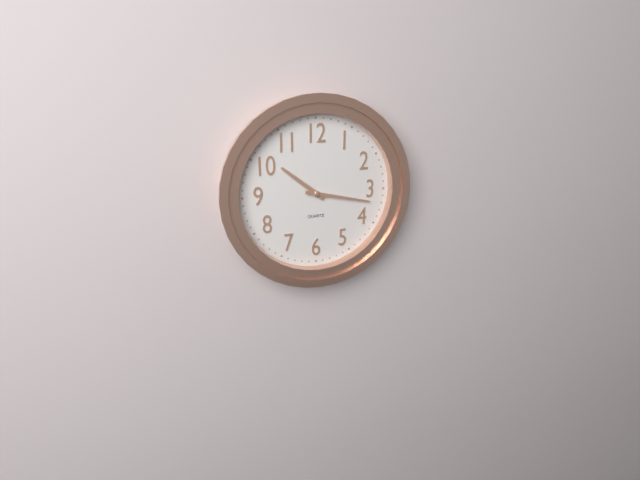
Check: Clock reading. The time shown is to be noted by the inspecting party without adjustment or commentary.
10:17
